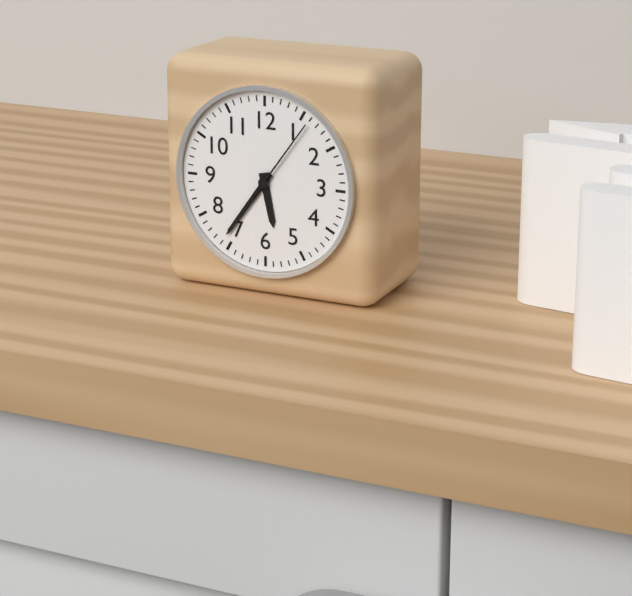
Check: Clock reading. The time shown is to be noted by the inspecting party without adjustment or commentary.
5:36:06
